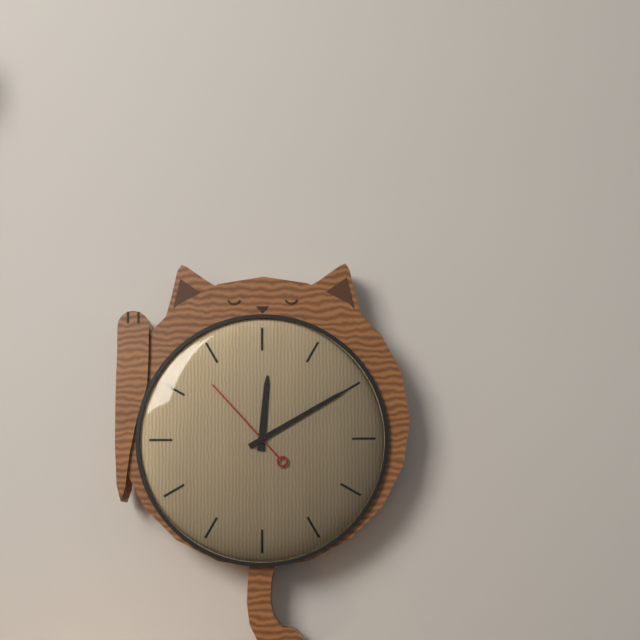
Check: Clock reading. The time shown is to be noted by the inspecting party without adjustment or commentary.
12:10:53
